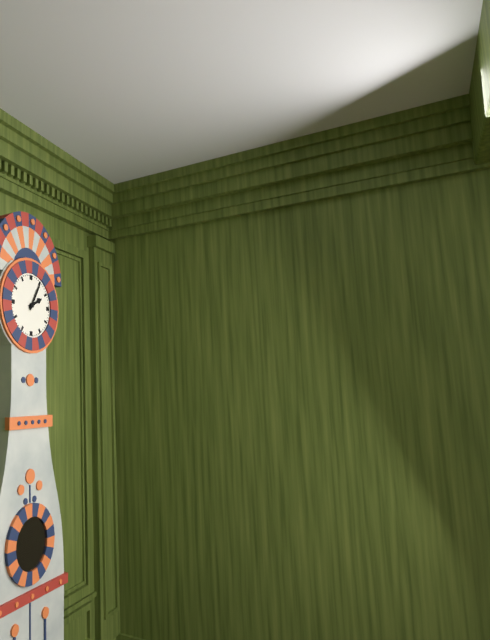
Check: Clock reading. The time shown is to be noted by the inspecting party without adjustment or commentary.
2:05
